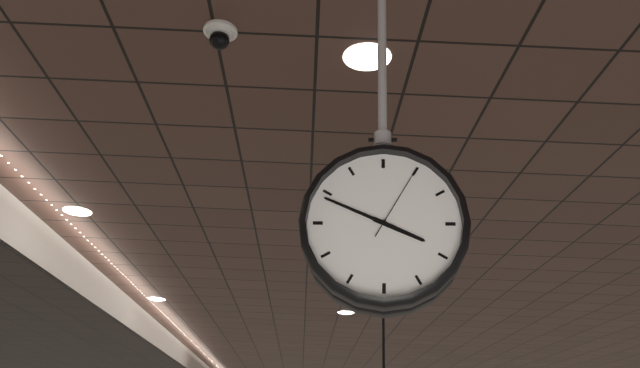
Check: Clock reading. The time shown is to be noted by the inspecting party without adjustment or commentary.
3:49:05
